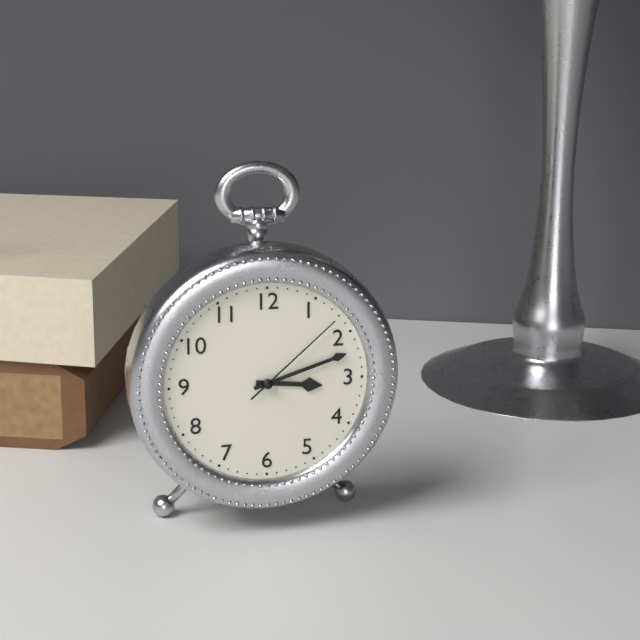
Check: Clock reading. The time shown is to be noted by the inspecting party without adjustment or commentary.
3:12:08
